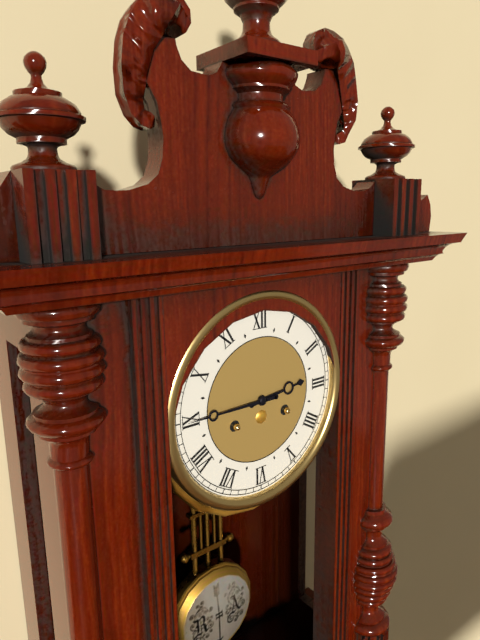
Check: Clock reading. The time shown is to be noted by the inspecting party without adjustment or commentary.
2:45
